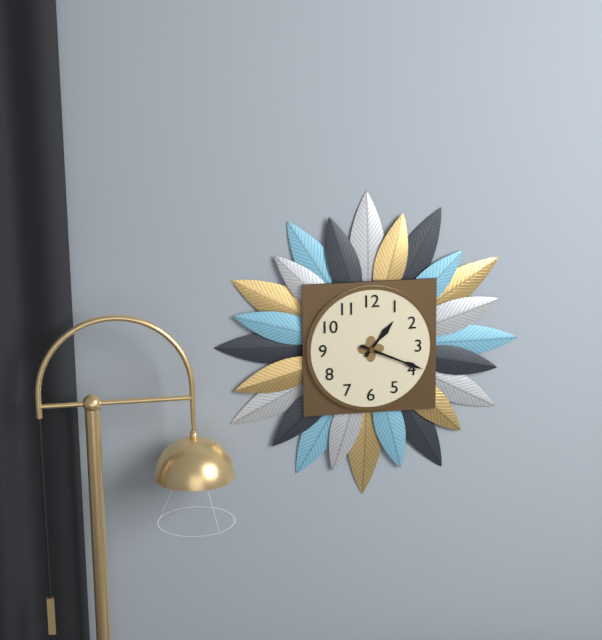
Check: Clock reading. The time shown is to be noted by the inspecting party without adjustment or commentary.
1:19
